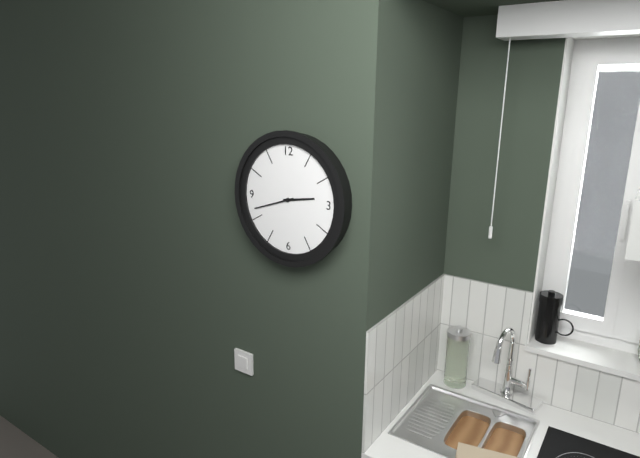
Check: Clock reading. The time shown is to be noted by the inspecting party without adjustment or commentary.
2:42
